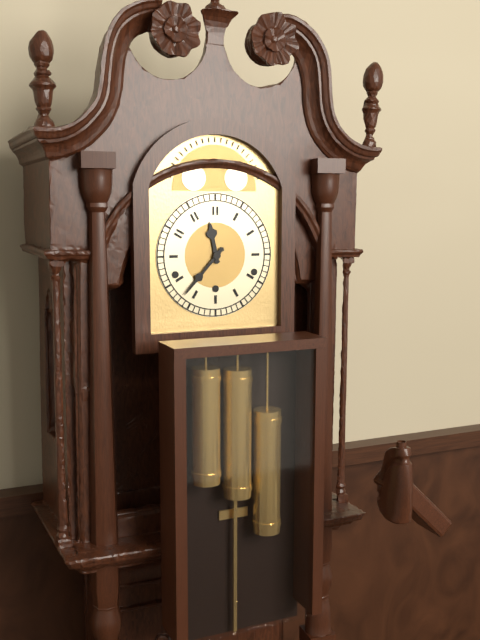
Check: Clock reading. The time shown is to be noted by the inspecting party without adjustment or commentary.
11:37
